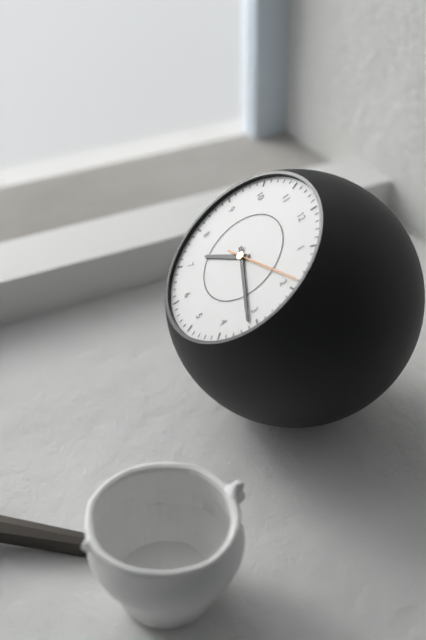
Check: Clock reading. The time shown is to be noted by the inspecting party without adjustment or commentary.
7:16:09
